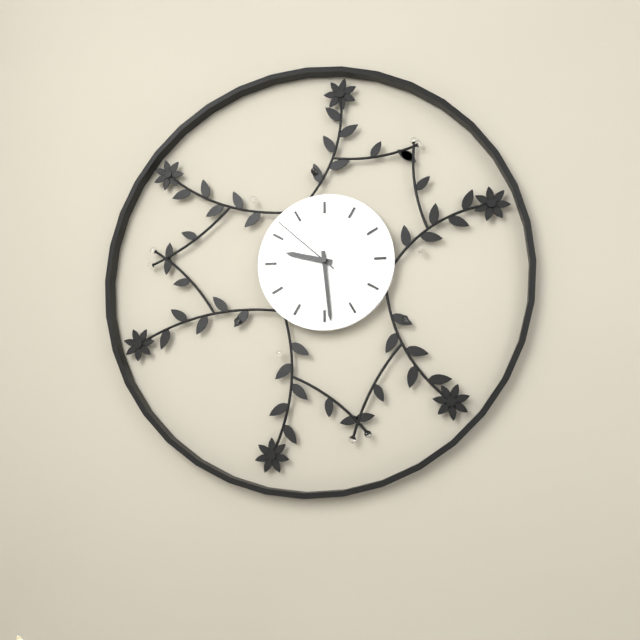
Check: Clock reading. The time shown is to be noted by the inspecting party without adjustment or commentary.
9:29:52
